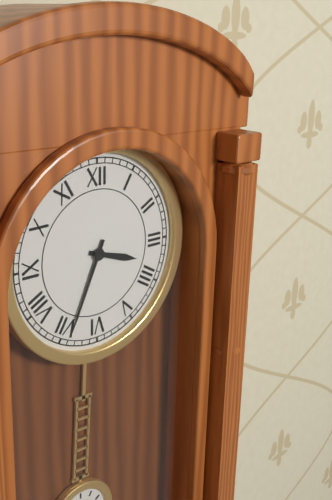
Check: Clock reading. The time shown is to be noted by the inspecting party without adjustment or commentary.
3:34
